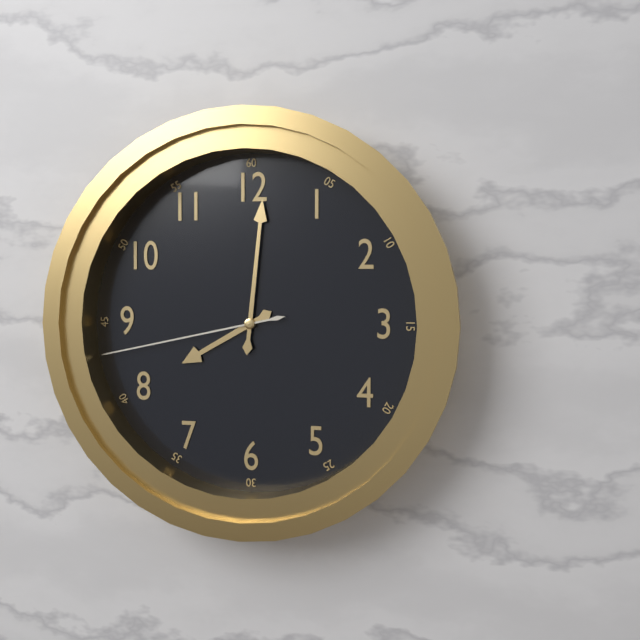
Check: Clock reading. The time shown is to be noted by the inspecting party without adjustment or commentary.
8:01:43
